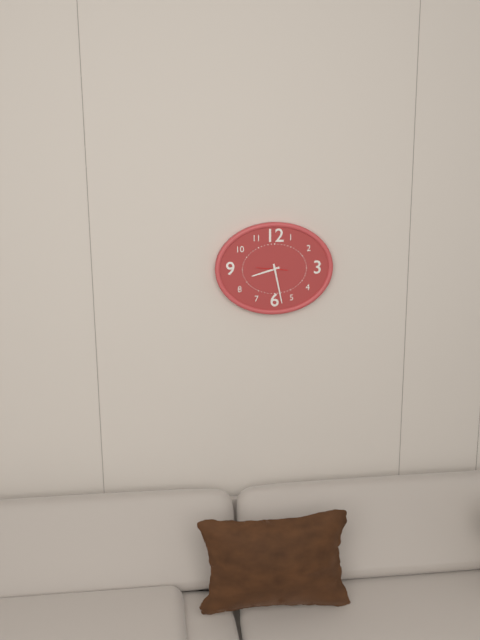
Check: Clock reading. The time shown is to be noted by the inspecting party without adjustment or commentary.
8:28
